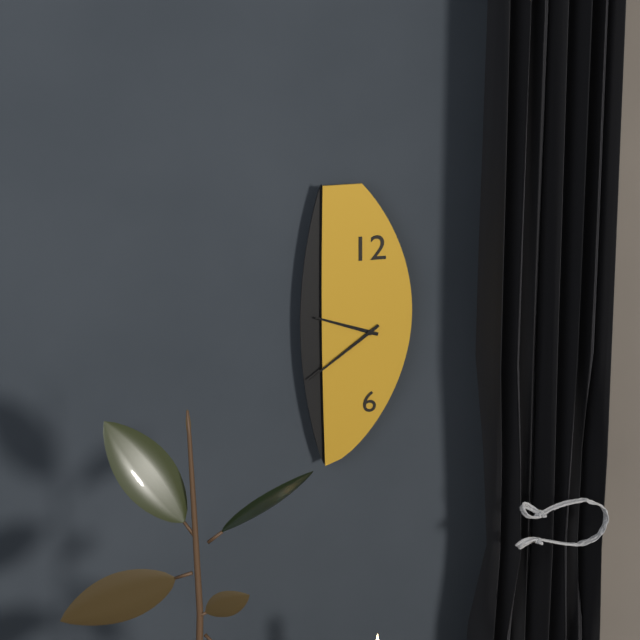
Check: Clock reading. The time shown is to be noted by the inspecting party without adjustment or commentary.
9:39
